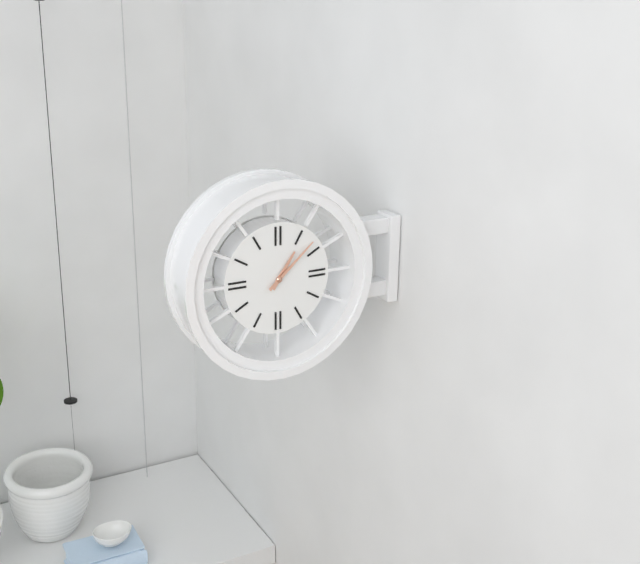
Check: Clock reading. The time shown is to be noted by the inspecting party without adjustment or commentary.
1:08
